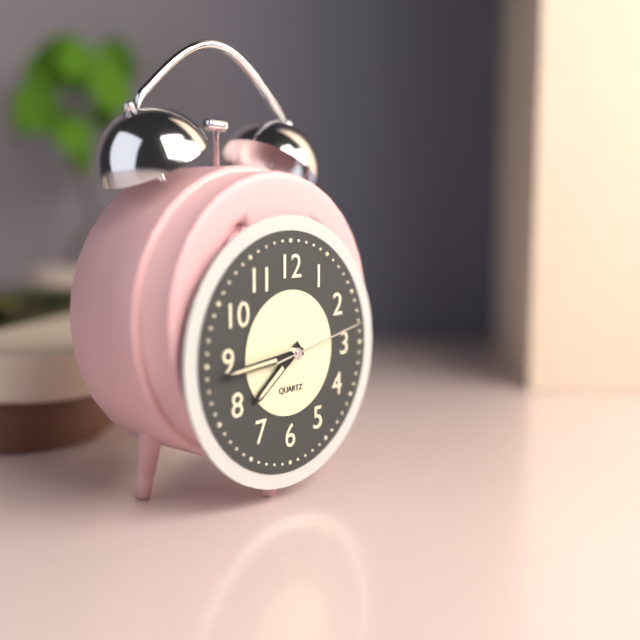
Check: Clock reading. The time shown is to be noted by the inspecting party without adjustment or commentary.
7:44:13
